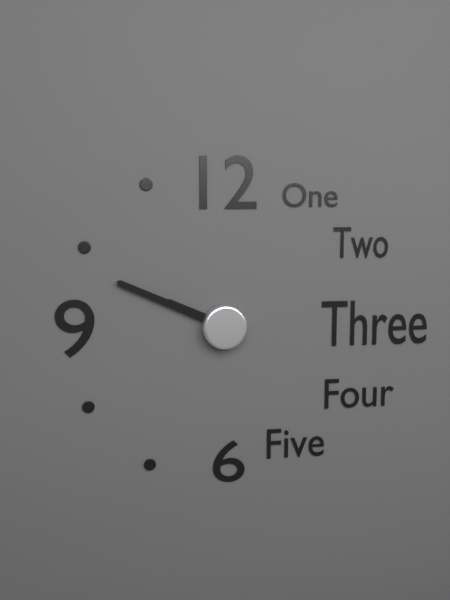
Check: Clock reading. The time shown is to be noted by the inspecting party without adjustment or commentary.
9:49
